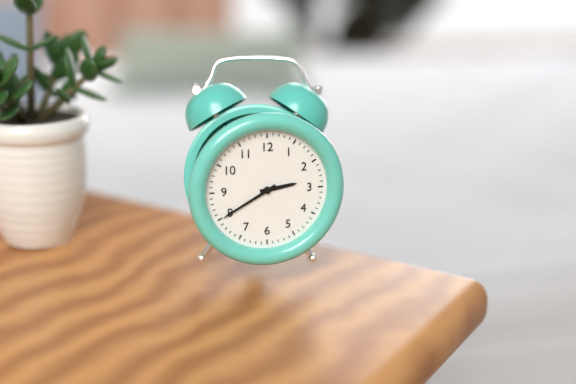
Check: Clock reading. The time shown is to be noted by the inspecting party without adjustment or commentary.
2:40
